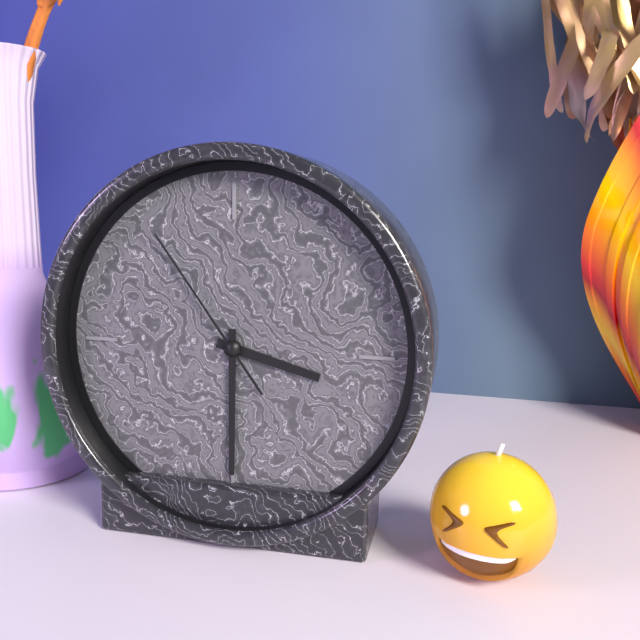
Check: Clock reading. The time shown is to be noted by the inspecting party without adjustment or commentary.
3:30:54
